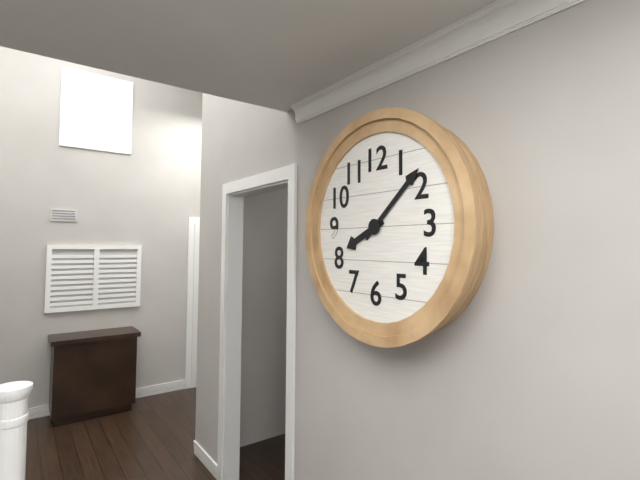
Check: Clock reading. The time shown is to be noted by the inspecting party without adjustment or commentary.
8:08
